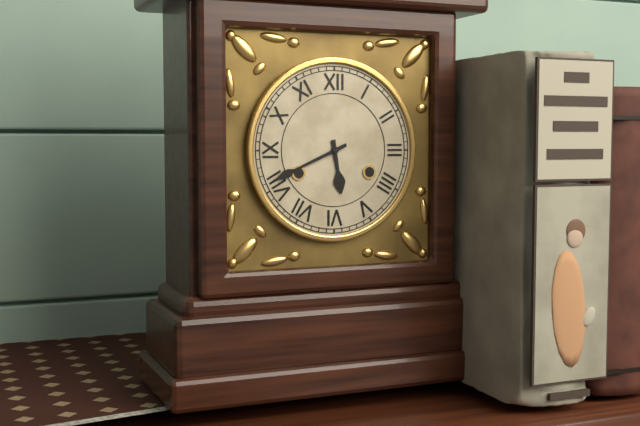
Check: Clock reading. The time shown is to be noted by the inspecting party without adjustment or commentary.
5:41
